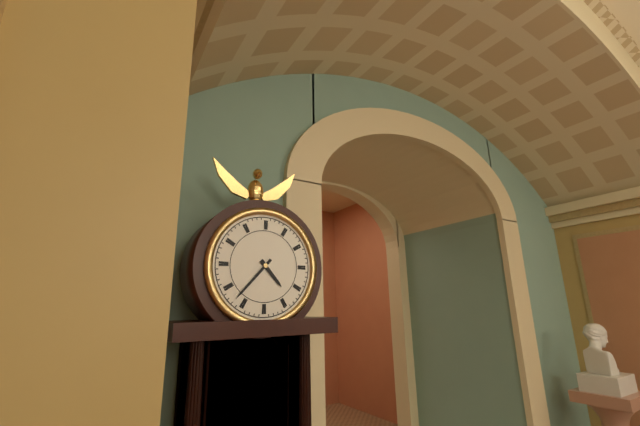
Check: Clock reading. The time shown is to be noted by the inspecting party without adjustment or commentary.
4:37
